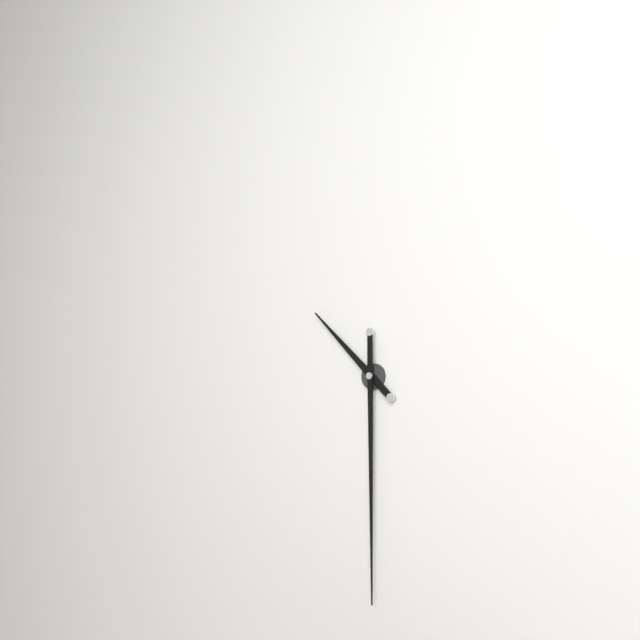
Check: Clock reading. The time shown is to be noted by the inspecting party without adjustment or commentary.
10:30
